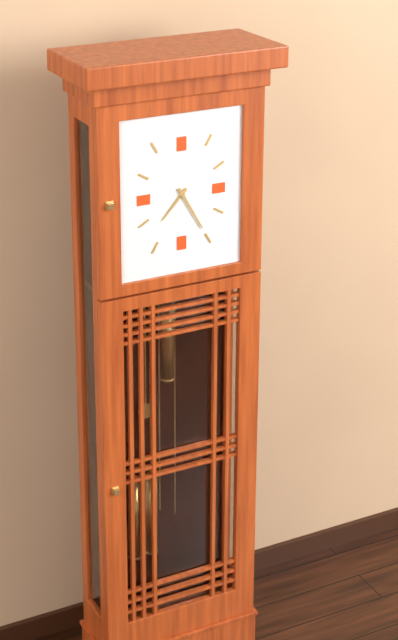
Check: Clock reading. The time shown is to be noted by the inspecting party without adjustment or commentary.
7:25
